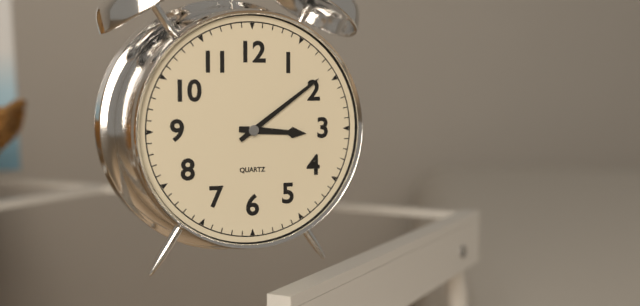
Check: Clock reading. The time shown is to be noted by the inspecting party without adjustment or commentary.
3:09
